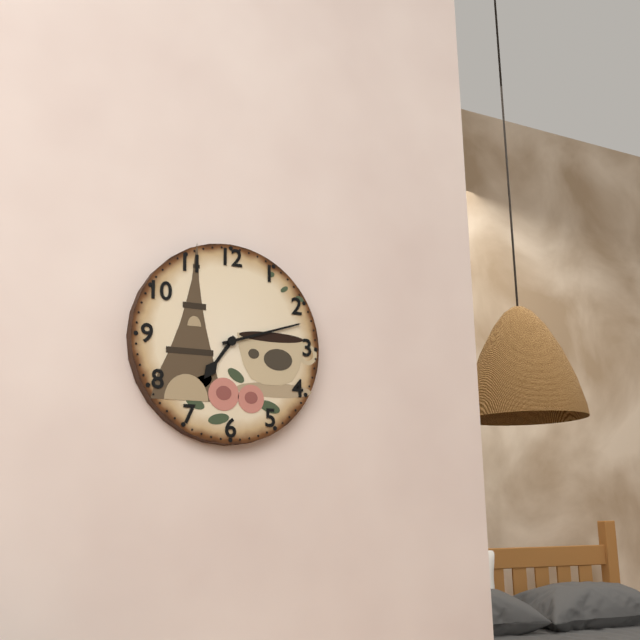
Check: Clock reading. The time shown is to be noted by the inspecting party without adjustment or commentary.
7:12
